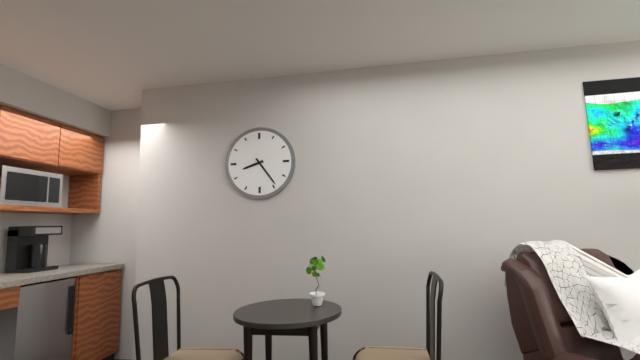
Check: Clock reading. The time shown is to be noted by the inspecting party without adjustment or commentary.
8:24
